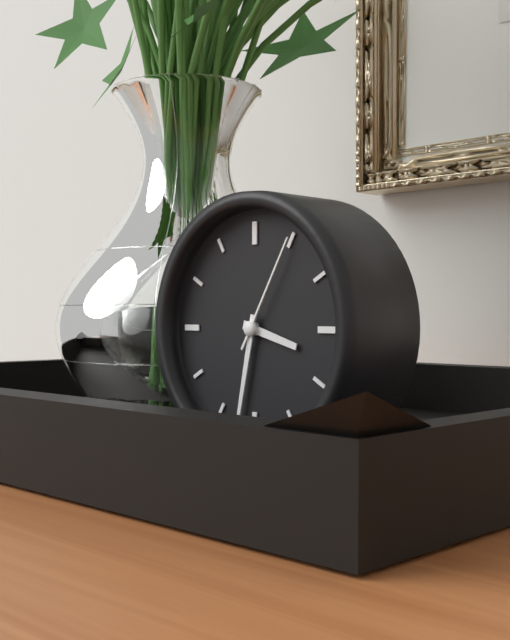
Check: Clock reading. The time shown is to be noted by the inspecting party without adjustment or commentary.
3:32:05
